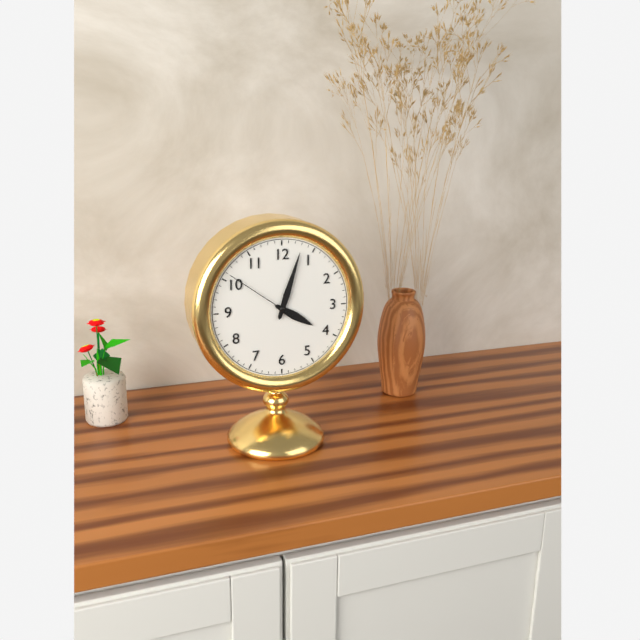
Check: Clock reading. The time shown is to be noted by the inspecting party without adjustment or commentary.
4:03:51
